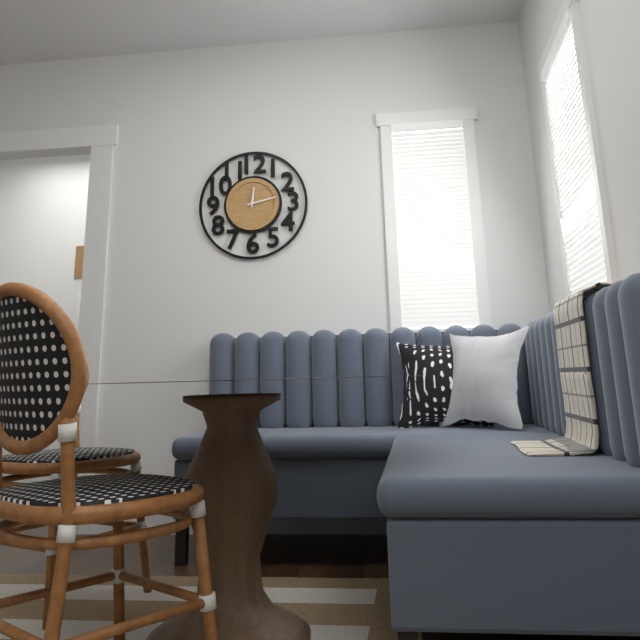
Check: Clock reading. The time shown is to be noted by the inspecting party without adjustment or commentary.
12:13
